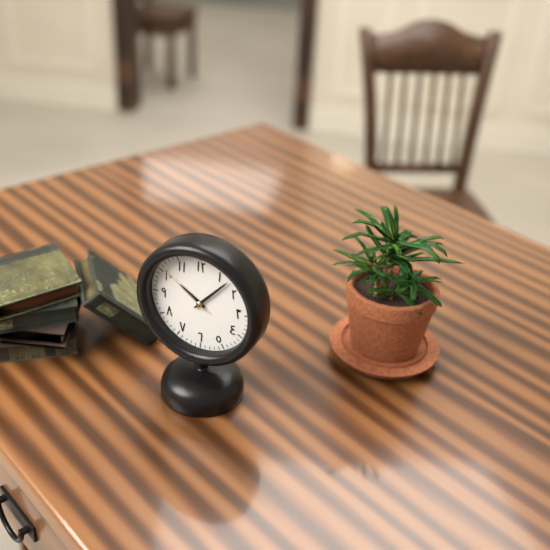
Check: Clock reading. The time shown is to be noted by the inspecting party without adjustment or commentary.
10:07:51
